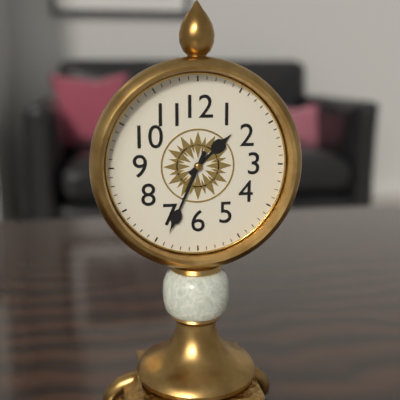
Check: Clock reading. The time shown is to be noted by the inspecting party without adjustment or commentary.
1:34
